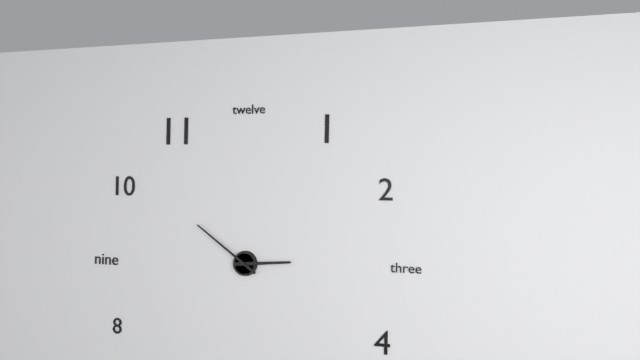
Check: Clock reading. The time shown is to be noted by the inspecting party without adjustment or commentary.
2:51
